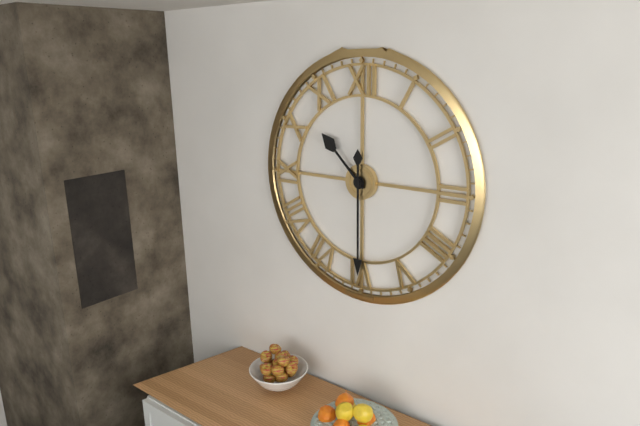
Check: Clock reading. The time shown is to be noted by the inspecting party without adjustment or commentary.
10:30
